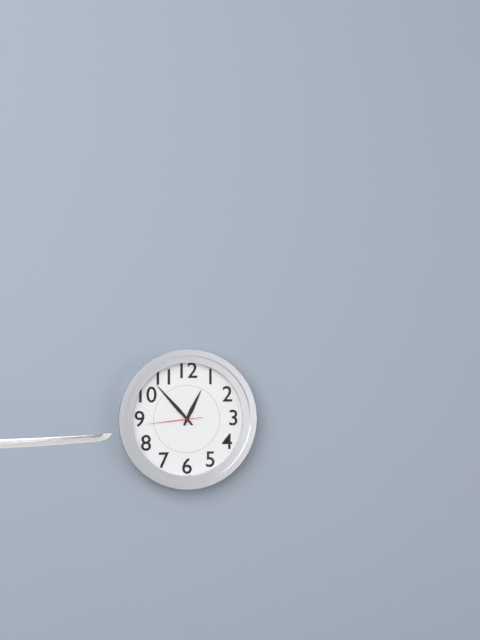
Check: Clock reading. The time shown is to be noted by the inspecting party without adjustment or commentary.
12:53:44
